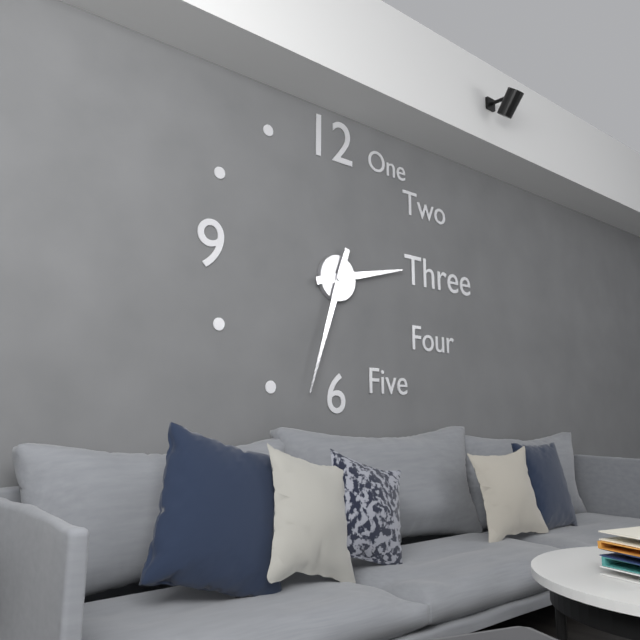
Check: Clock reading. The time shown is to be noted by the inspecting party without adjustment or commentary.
2:33
